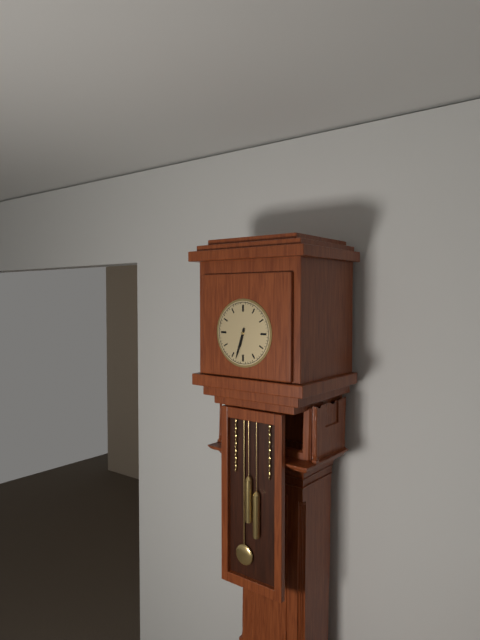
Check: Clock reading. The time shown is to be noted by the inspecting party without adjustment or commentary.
6:33
